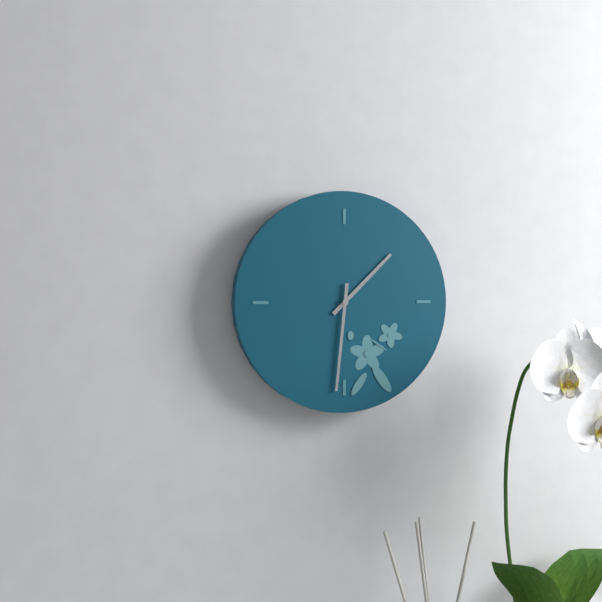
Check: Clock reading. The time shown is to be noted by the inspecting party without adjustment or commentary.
1:31
